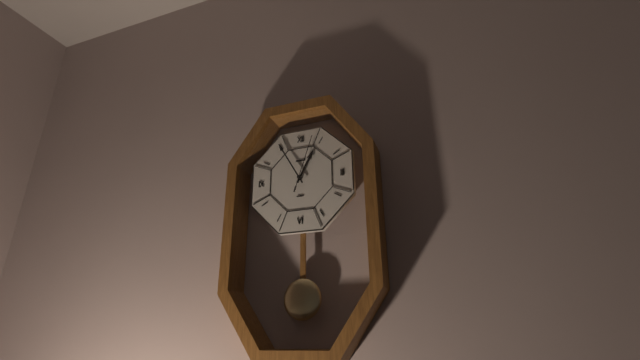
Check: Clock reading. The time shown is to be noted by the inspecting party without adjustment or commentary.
12:55:03
